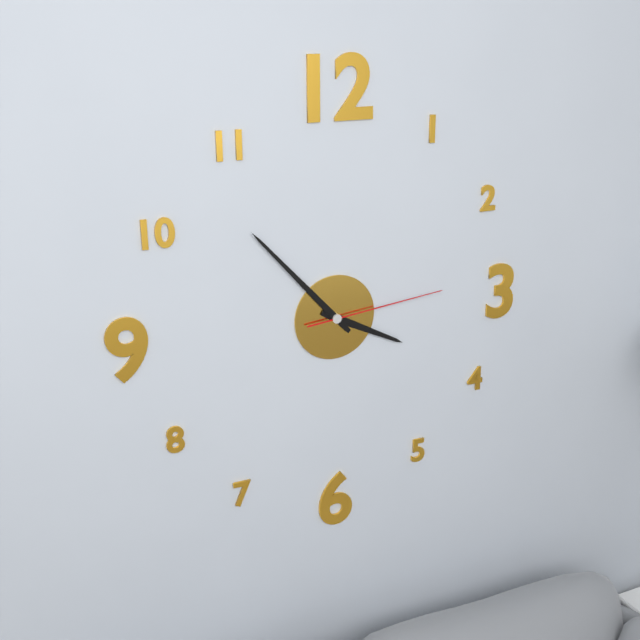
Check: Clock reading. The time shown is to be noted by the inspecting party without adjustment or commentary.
3:53:14
